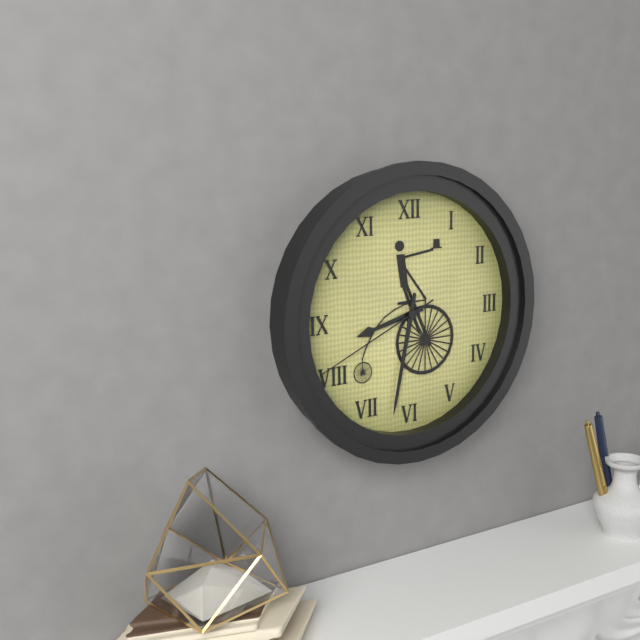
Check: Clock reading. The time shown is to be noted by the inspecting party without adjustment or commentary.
8:32:41
